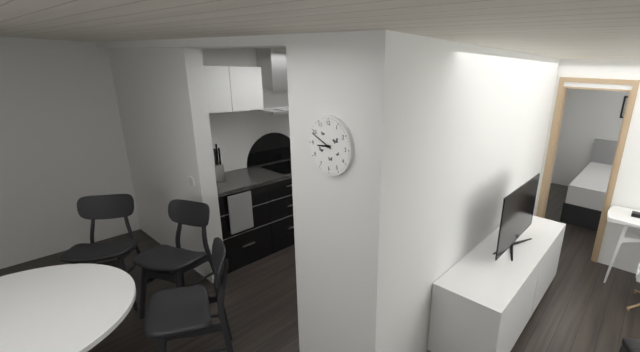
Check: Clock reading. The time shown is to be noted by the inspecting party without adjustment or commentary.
8:49
